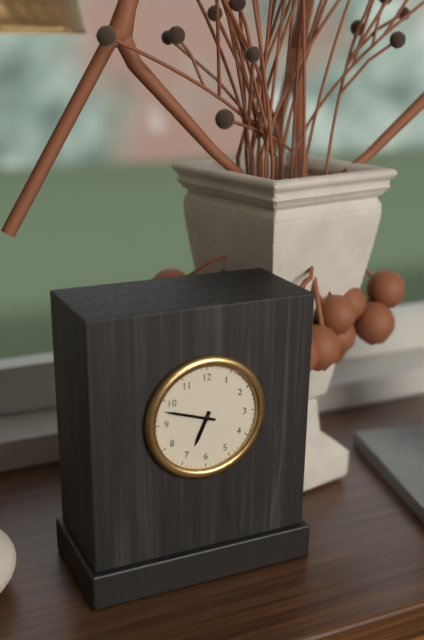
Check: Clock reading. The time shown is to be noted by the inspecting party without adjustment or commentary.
6:48
